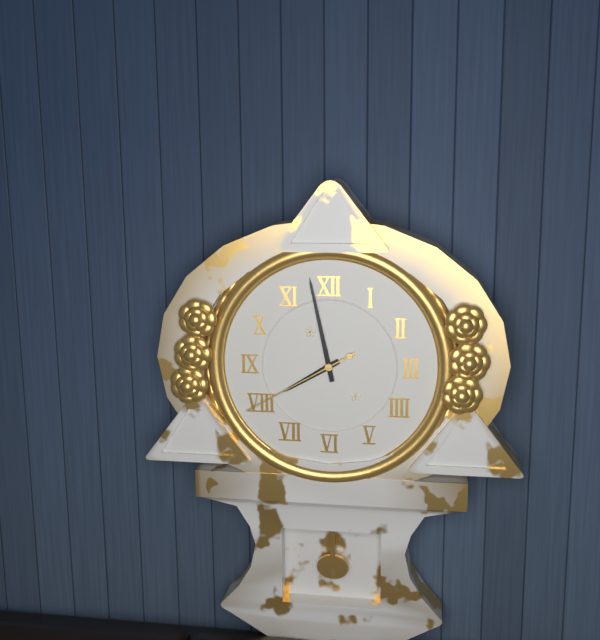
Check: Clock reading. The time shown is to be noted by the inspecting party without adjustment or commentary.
7:58:40
